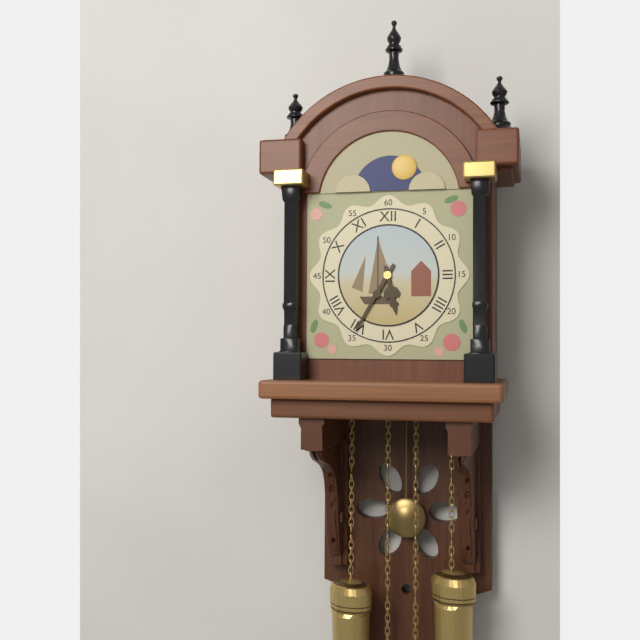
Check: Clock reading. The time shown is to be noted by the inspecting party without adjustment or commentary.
5:35
